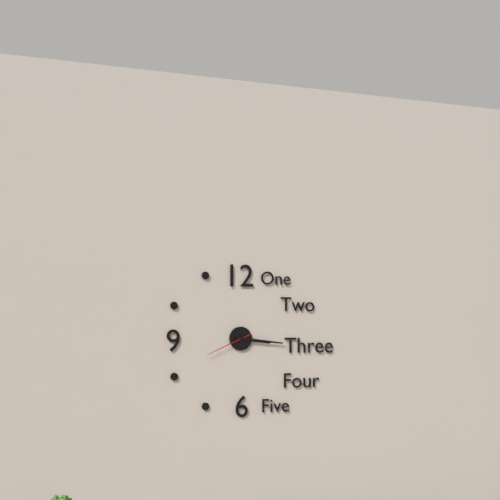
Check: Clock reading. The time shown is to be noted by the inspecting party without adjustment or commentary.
3:16
